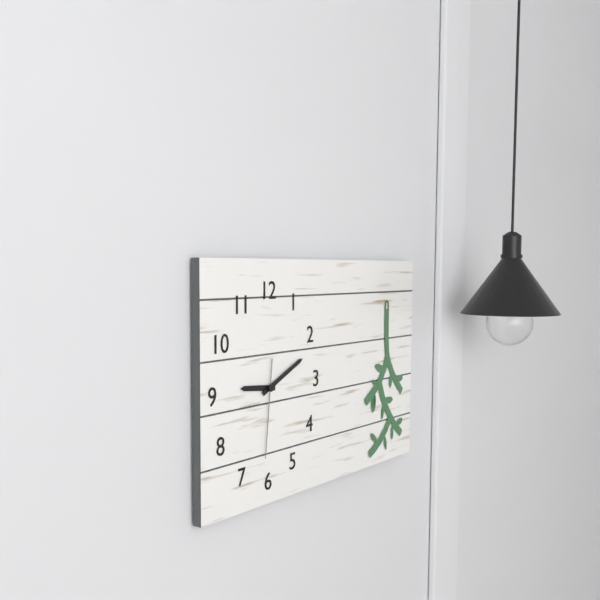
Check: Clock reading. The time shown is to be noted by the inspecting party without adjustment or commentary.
9:11:31
